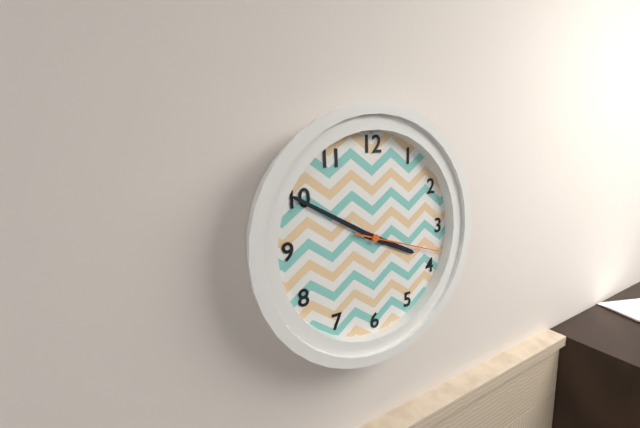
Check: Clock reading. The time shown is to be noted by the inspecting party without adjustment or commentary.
3:50:18
